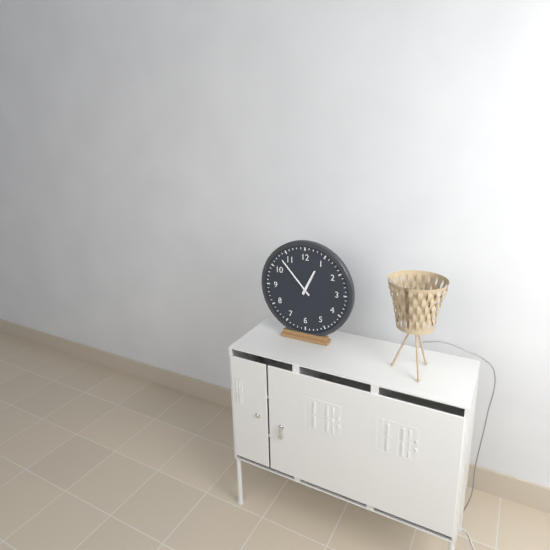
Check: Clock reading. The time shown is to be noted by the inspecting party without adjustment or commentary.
12:53
